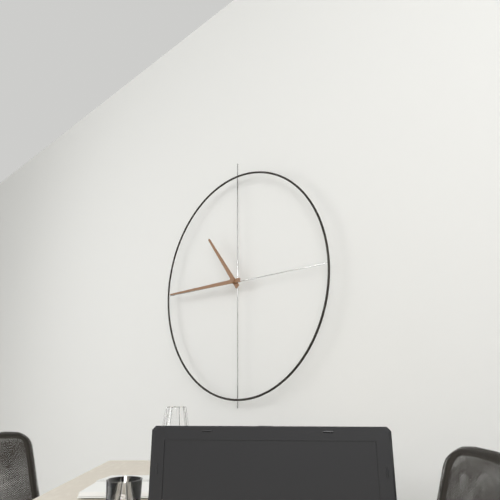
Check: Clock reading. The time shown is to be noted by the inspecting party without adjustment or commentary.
10:45
